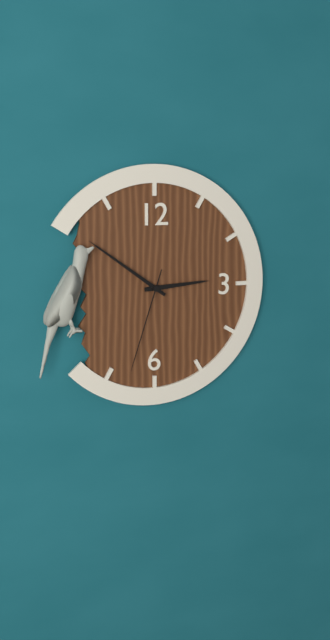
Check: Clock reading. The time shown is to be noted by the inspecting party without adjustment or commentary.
2:51:33
